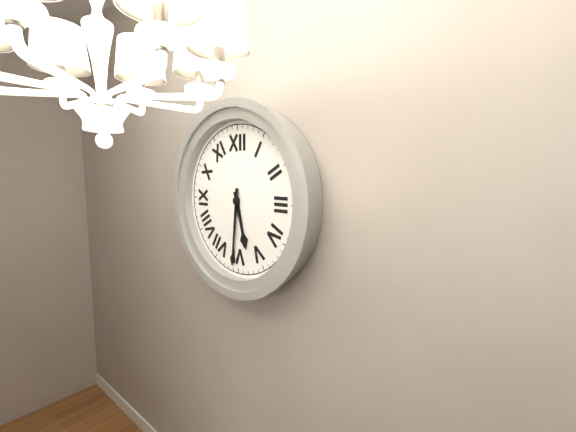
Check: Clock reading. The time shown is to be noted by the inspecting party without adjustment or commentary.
5:31
